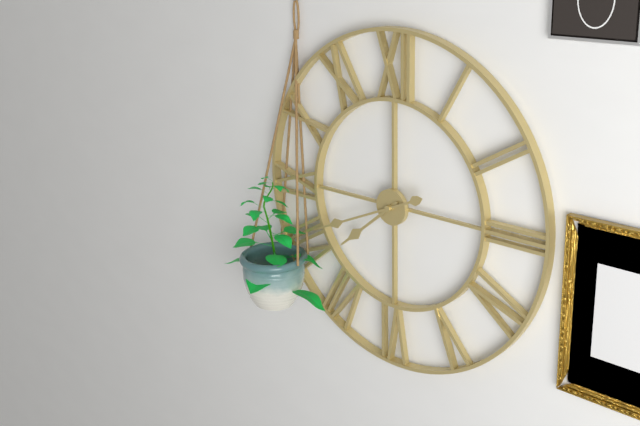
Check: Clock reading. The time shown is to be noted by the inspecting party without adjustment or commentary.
7:41
